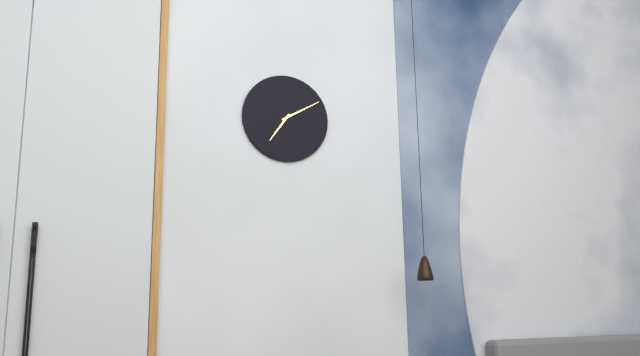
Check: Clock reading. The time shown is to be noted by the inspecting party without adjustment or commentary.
7:10
